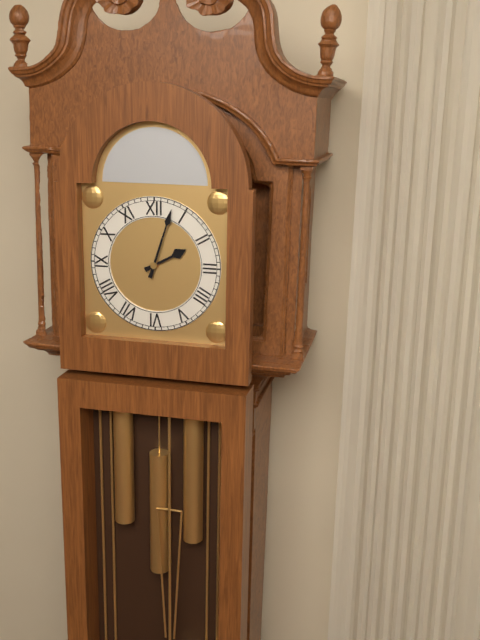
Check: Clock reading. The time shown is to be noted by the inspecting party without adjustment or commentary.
2:03
